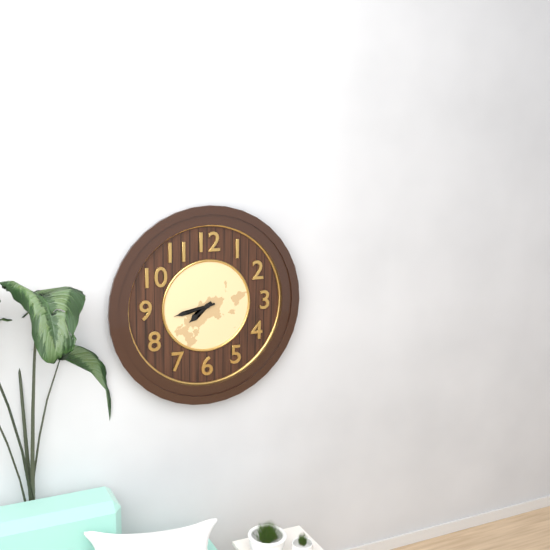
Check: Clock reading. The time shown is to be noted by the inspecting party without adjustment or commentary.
7:43
